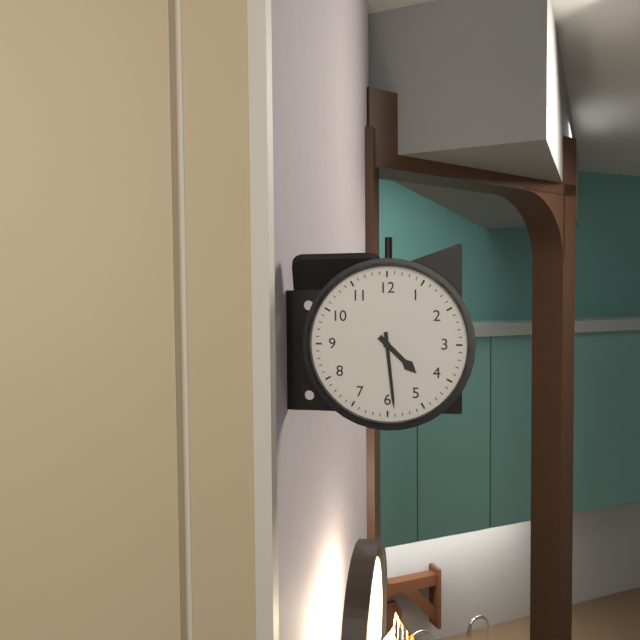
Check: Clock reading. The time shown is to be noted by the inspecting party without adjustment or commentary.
4:29
